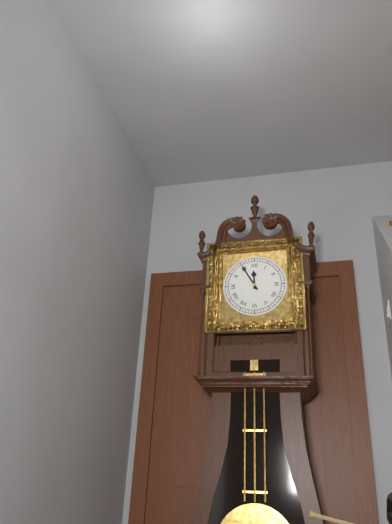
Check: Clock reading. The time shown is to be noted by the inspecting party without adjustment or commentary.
11:55
